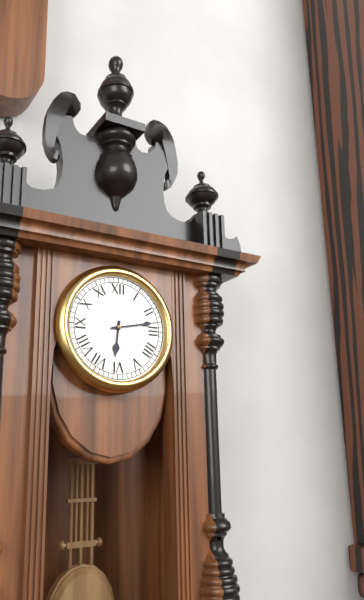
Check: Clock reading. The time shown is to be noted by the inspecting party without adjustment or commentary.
6:13
